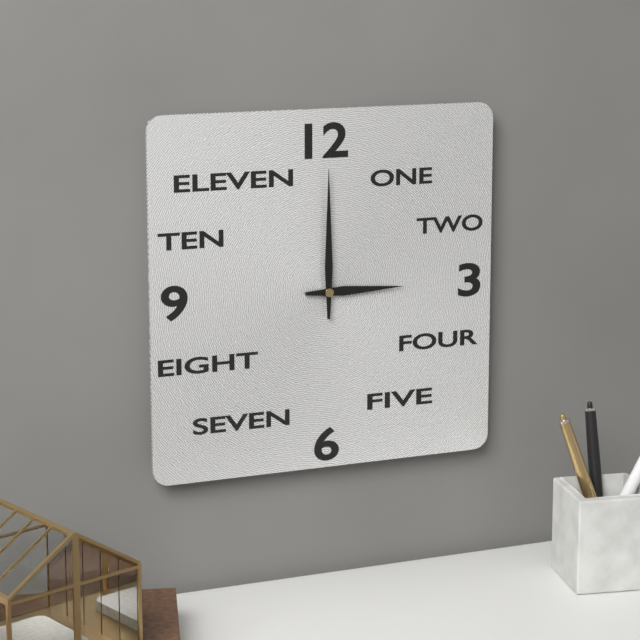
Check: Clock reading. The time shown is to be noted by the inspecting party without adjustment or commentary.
3:00
